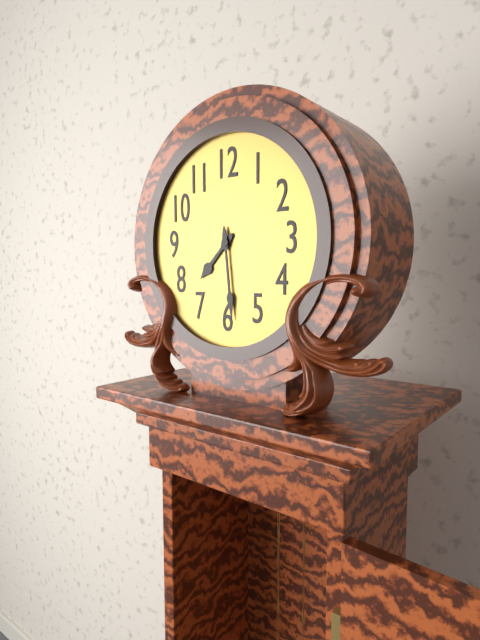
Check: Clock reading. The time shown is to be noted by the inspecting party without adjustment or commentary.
7:29
